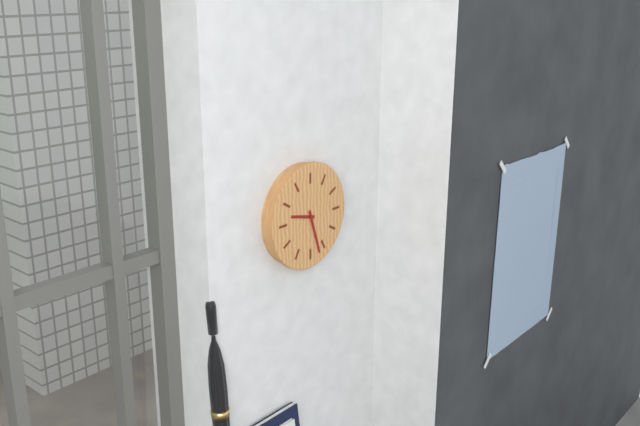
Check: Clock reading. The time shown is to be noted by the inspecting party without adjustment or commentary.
9:27
